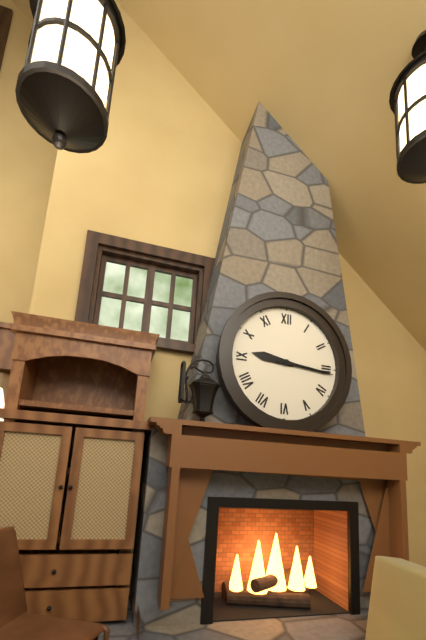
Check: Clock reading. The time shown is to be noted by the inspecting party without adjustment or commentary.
9:16
